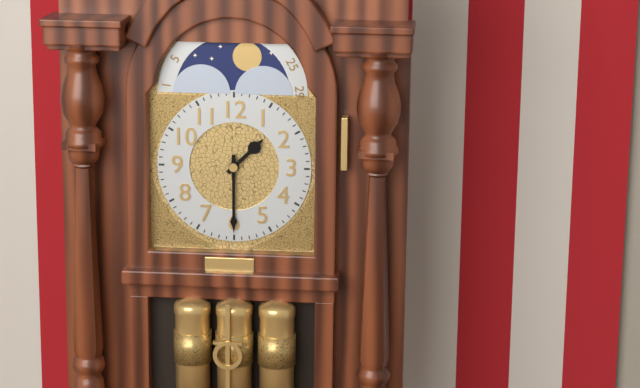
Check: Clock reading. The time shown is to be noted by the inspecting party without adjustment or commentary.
1:30
